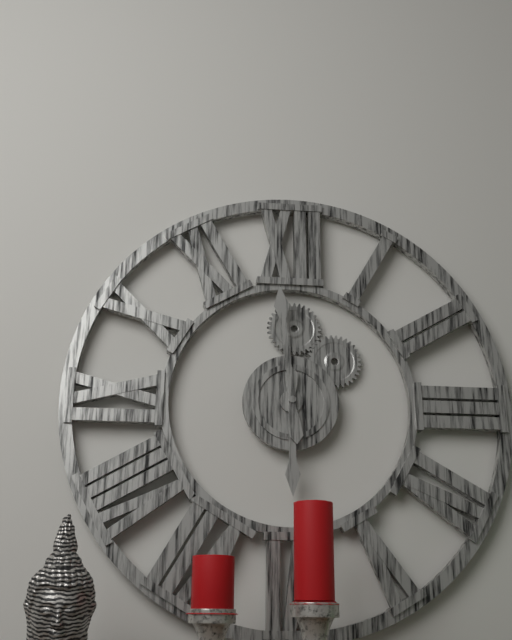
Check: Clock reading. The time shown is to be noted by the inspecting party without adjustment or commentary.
5:59
